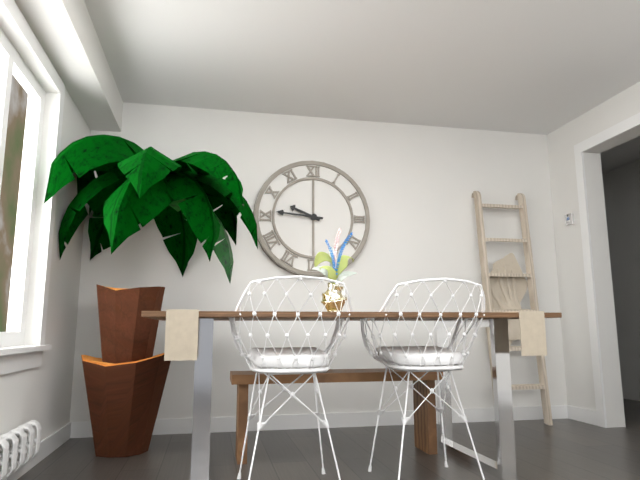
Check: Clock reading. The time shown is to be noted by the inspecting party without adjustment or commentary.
9:46
